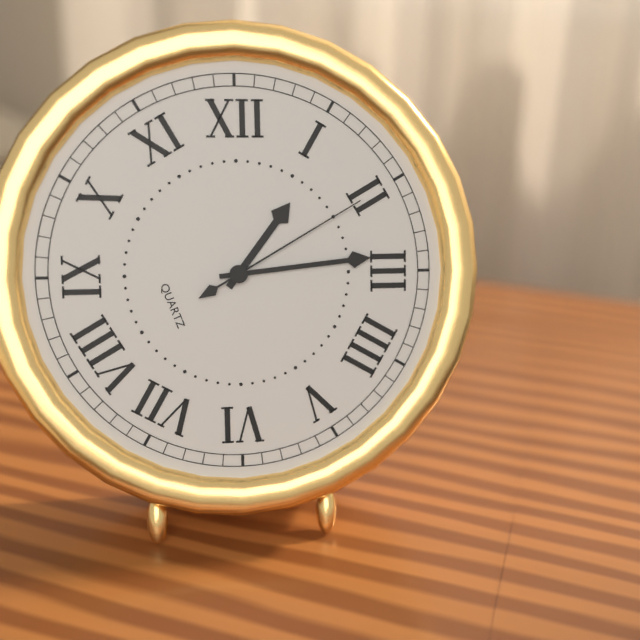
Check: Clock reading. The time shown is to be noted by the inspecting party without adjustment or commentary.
1:14:10
